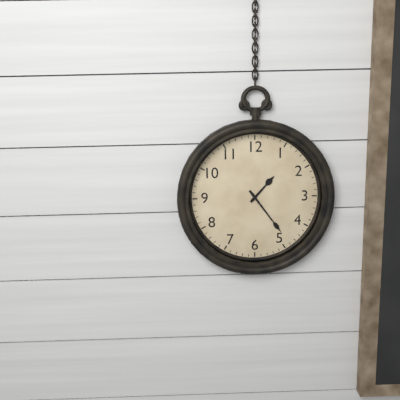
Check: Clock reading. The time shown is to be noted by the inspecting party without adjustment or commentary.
1:24
